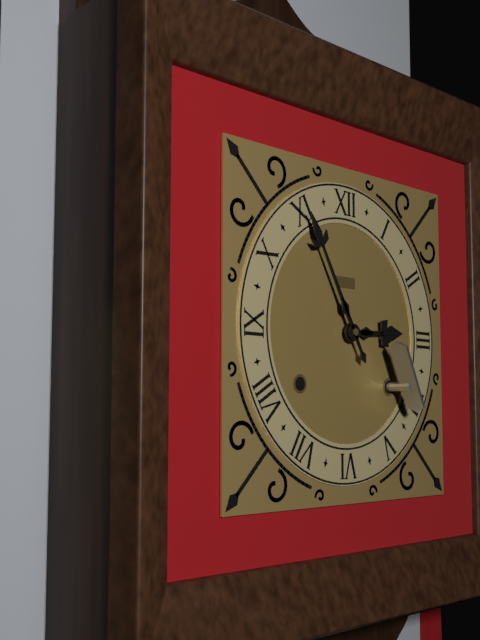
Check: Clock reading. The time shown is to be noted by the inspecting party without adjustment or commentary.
2:55
